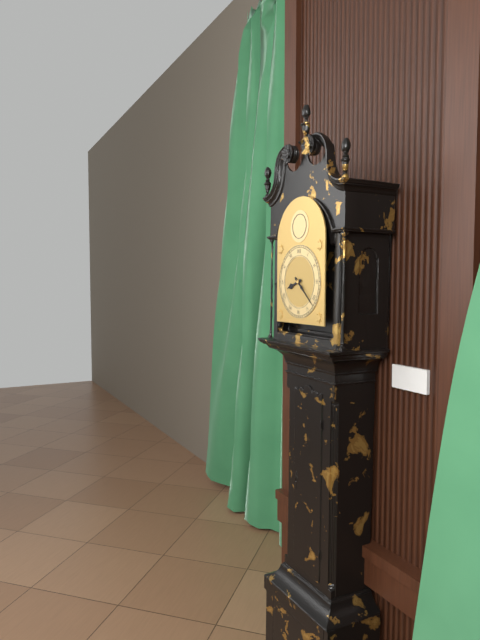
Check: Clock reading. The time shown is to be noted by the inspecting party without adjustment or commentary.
8:22
